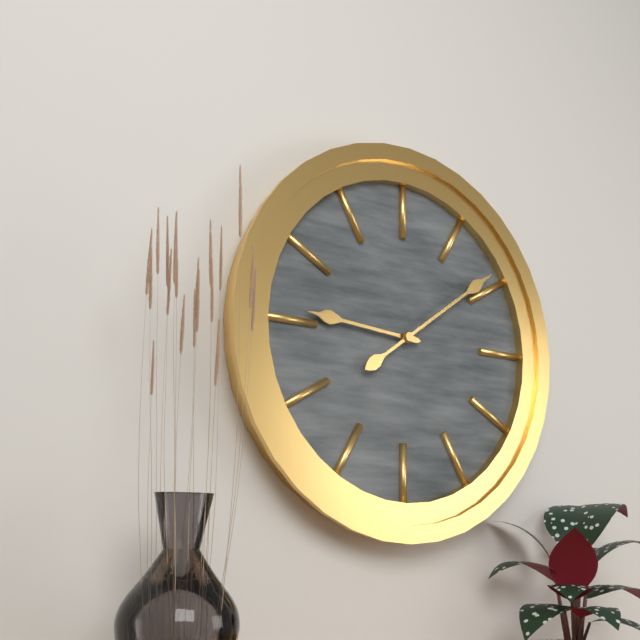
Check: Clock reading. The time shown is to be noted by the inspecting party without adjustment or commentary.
9:09
